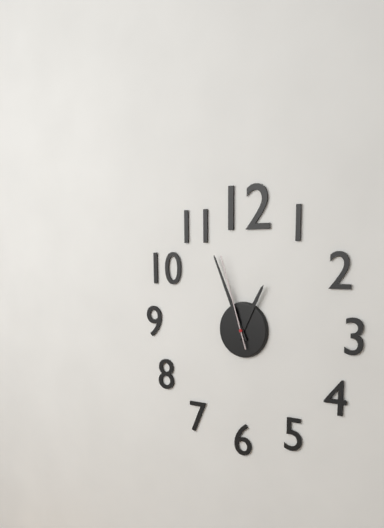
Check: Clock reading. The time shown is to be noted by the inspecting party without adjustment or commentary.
12:56:57
